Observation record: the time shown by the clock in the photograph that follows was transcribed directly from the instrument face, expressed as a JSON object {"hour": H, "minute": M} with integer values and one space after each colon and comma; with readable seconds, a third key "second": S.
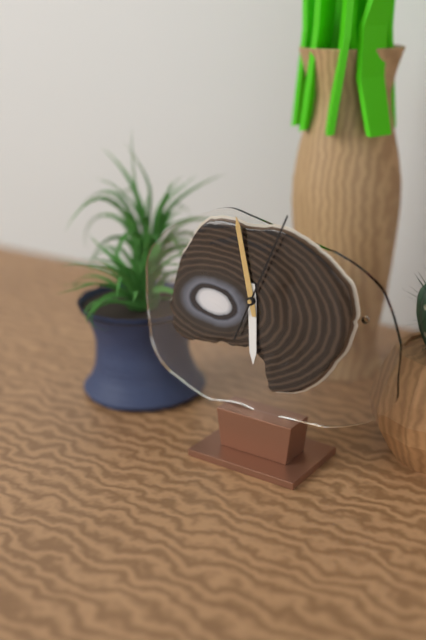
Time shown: {"hour": 5, "minute": 58, "second": 4}
